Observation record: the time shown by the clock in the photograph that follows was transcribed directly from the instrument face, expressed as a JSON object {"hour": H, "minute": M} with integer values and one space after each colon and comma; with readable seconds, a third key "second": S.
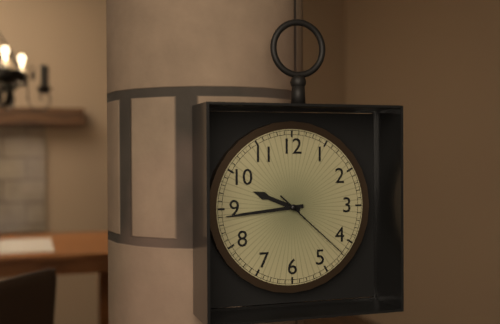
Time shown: {"hour": 9, "minute": 44, "second": 22}
